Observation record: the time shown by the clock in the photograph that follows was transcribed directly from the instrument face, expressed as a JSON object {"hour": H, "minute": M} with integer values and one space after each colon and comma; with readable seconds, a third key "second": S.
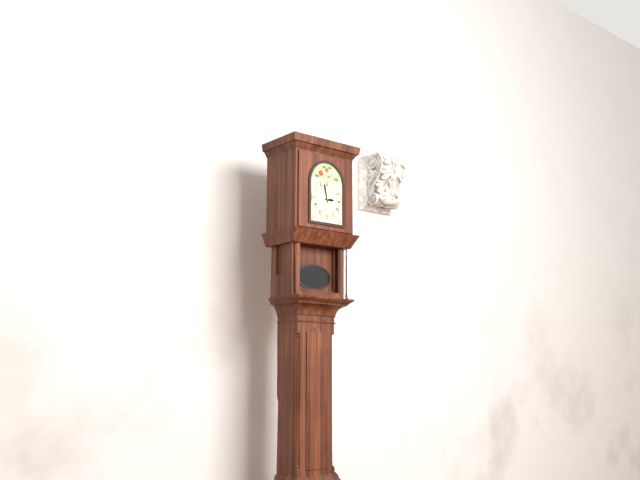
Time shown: {"hour": 2, "minute": 58}
